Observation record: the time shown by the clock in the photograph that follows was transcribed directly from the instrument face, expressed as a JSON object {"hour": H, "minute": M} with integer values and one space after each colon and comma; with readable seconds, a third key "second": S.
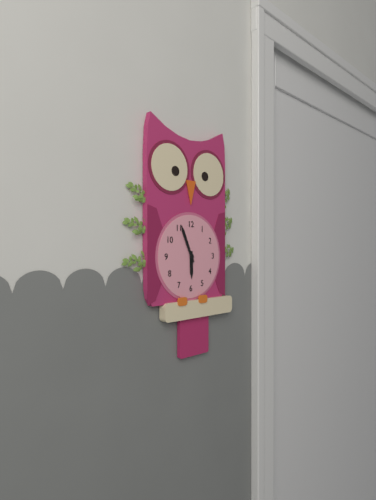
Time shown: {"hour": 5, "minute": 56}
